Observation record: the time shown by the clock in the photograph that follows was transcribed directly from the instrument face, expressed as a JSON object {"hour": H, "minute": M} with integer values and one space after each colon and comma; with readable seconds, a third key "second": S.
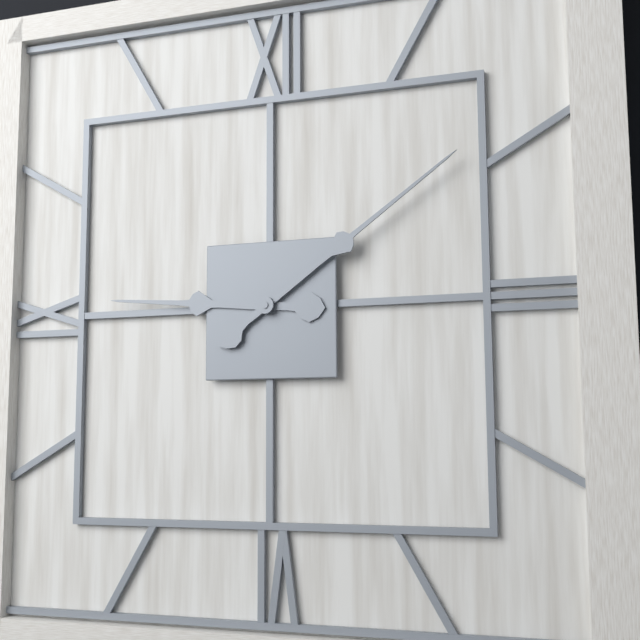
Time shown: {"hour": 9, "minute": 9}
